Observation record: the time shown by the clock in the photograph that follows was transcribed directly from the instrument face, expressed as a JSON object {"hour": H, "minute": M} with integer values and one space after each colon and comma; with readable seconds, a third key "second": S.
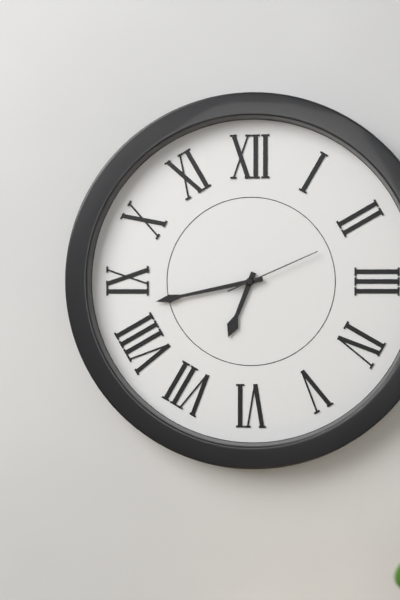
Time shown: {"hour": 6, "minute": 43, "second": 11}
